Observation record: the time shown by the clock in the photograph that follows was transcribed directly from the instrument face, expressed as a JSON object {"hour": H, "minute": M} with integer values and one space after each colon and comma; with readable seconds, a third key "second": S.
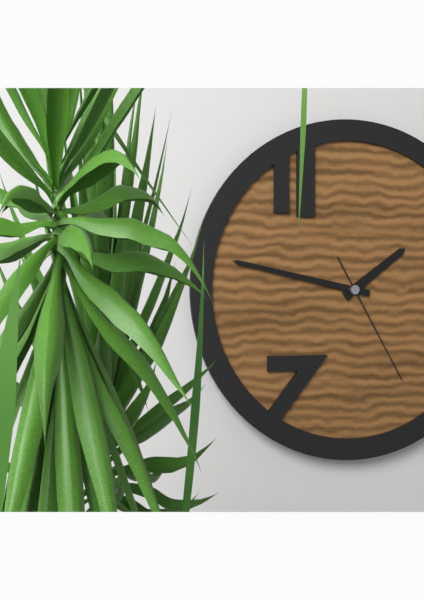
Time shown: {"hour": 1, "minute": 47, "second": 25}
